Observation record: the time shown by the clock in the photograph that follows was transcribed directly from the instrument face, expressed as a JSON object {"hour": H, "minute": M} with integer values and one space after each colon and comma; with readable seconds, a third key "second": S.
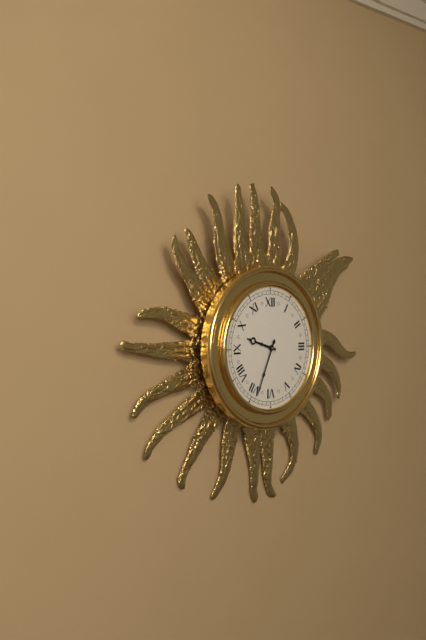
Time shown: {"hour": 9, "minute": 34}
